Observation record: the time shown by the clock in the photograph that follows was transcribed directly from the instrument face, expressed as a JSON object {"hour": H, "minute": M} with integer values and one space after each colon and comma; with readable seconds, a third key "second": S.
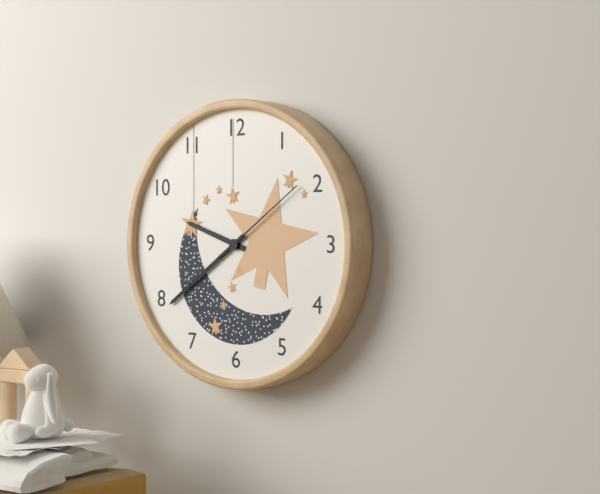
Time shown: {"hour": 9, "minute": 39, "second": 9}
